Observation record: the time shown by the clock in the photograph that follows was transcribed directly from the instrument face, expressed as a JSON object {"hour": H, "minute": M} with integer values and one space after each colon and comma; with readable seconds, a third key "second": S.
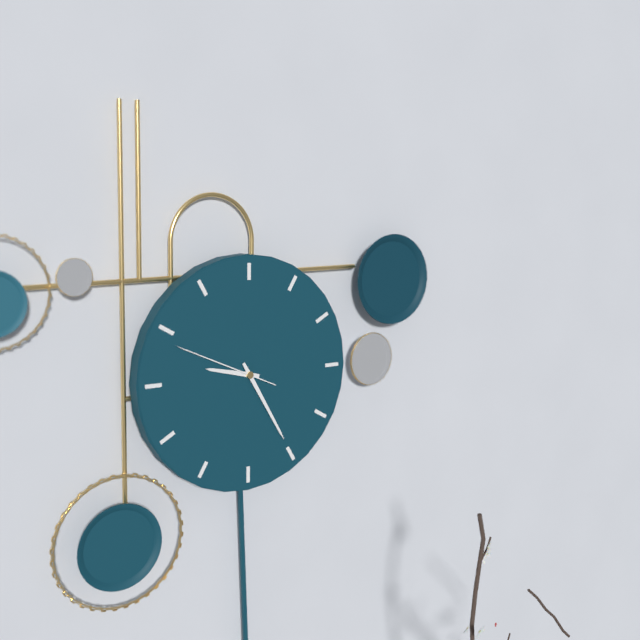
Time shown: {"hour": 9, "minute": 25, "second": 49}
